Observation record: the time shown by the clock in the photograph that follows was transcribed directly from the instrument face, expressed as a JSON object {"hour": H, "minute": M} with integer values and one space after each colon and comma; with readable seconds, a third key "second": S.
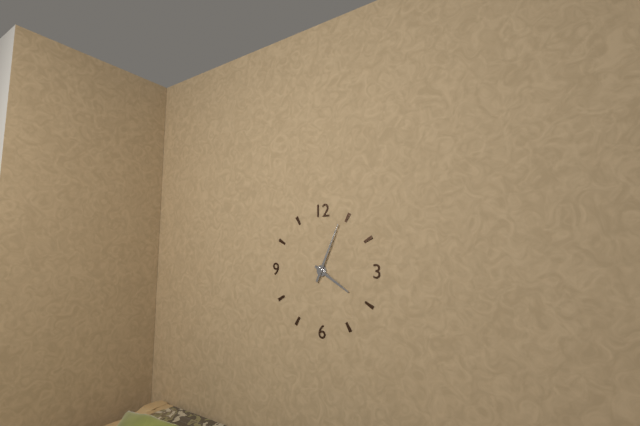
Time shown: {"hour": 4, "minute": 4}
